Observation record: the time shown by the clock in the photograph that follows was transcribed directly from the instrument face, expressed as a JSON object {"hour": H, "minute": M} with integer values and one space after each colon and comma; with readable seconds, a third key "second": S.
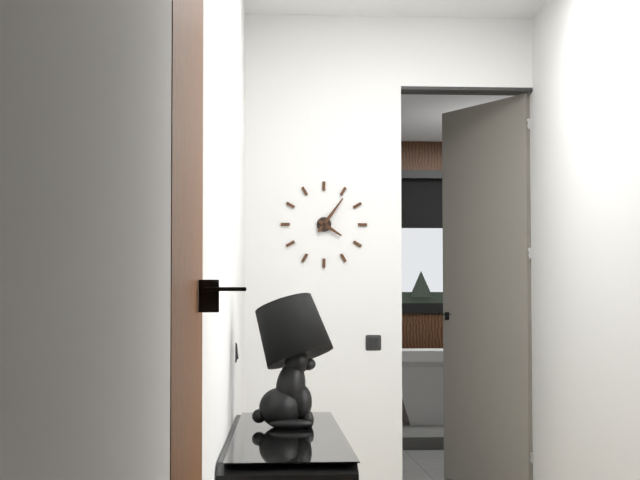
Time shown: {"hour": 4, "minute": 6}
